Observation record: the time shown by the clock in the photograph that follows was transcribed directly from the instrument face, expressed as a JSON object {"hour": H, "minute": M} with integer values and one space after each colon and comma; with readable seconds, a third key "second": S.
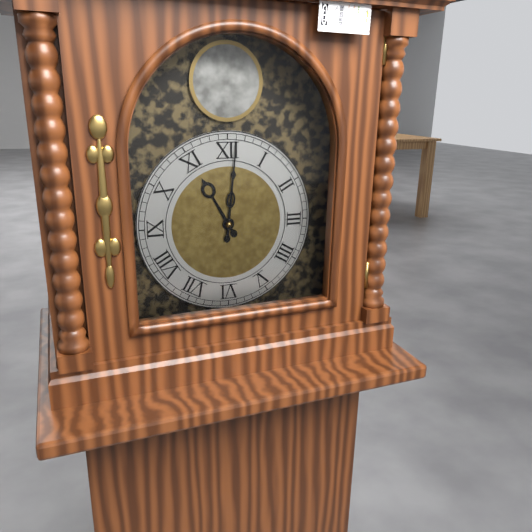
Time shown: {"hour": 11, "minute": 1}
